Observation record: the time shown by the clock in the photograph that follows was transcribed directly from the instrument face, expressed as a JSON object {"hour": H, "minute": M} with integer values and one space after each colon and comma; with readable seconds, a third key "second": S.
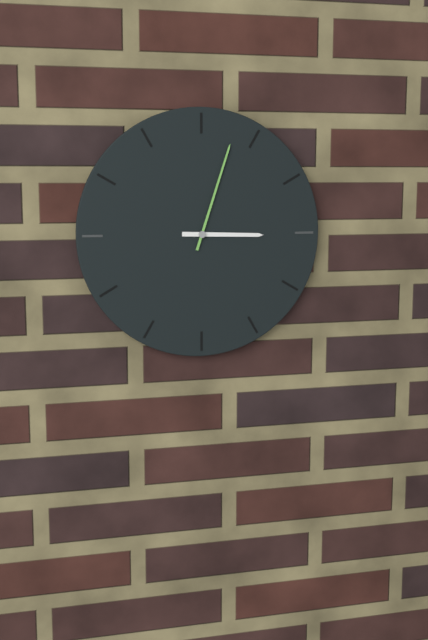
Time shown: {"hour": 3, "minute": 3}
